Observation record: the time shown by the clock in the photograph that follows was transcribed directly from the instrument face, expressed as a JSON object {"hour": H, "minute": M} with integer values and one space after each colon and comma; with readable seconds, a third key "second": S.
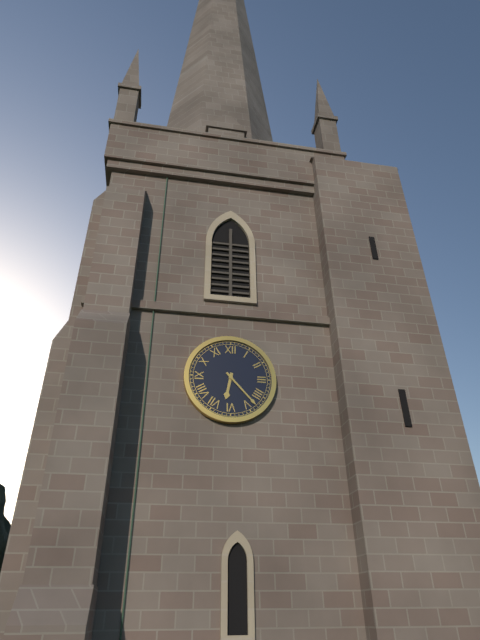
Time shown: {"hour": 6, "minute": 23}
